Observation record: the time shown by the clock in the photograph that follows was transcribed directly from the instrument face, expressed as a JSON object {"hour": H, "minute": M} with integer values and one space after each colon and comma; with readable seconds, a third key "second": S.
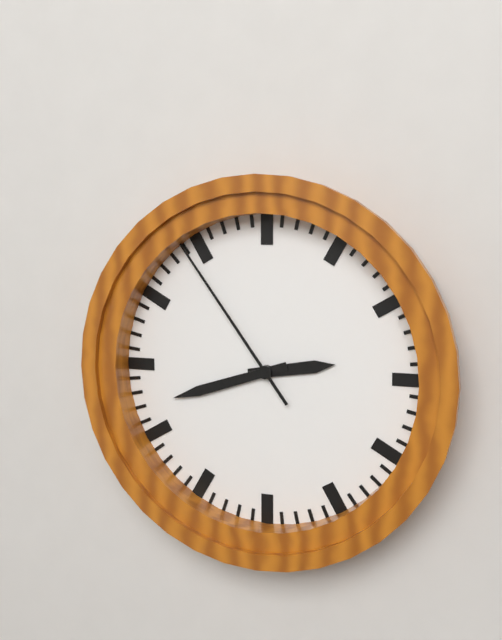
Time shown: {"hour": 2, "minute": 42, "second": 54}
